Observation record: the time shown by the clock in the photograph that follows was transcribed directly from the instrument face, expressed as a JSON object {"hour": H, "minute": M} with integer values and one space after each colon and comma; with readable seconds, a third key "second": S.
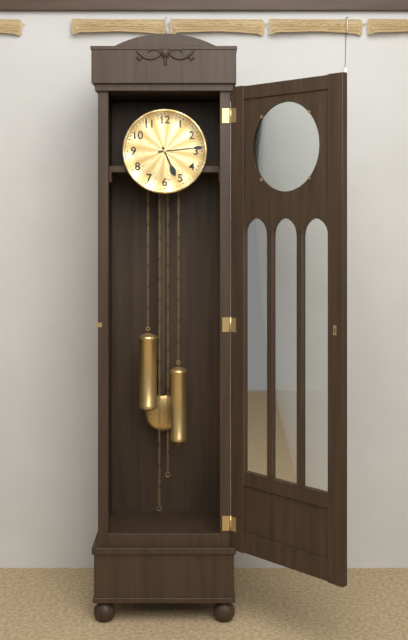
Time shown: {"hour": 5, "minute": 14}
